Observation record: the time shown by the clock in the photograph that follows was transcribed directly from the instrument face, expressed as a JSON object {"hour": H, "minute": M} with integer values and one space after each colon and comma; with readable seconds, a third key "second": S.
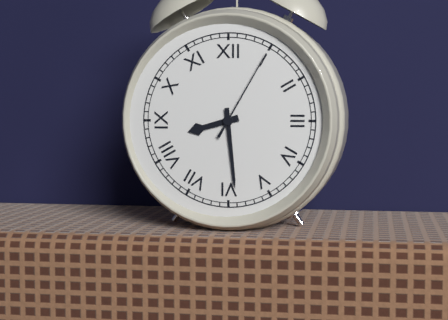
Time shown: {"hour": 8, "minute": 29, "second": 5}
